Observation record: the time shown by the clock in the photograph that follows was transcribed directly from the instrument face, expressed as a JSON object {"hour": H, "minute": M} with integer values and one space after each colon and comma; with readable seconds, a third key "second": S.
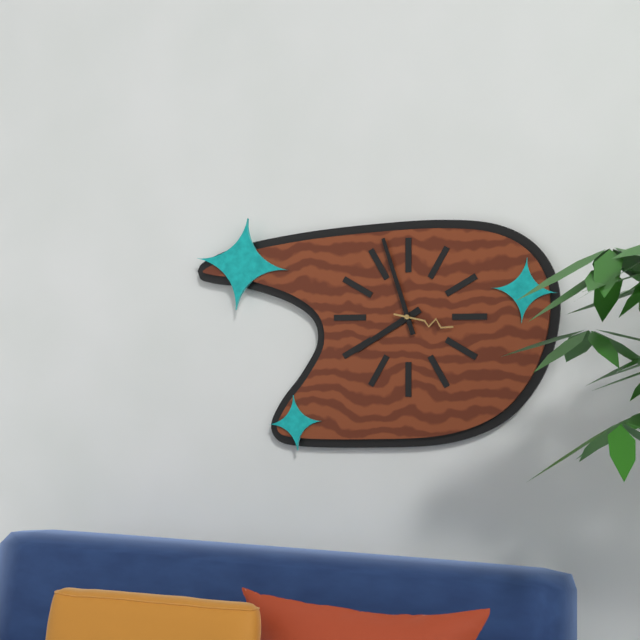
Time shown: {"hour": 7, "minute": 57, "second": 17}
